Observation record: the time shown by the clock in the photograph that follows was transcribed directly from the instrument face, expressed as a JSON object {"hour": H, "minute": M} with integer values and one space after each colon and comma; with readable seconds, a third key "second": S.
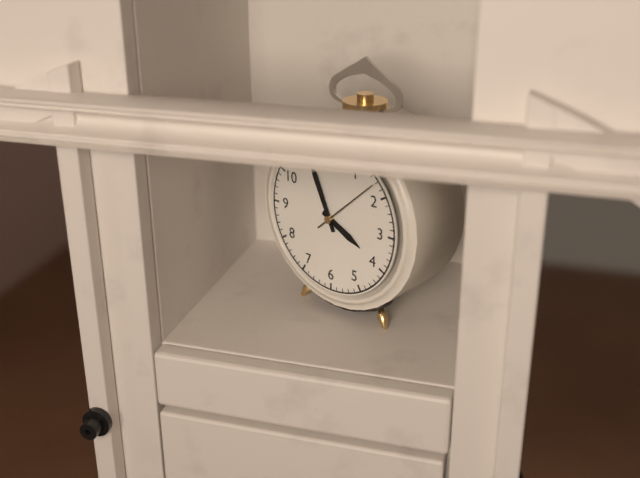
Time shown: {"hour": 3, "minute": 56, "second": 8}
